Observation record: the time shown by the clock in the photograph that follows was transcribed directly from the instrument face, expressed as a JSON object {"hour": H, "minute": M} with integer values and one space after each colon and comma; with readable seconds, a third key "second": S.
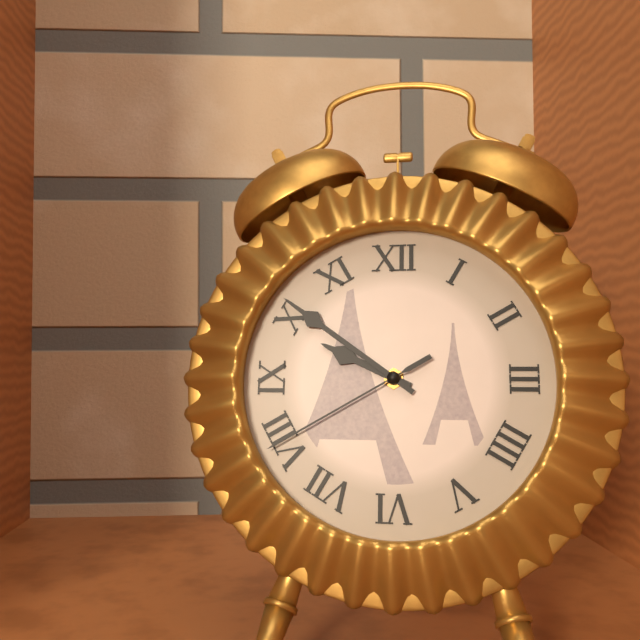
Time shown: {"hour": 9, "minute": 51, "second": 40}
